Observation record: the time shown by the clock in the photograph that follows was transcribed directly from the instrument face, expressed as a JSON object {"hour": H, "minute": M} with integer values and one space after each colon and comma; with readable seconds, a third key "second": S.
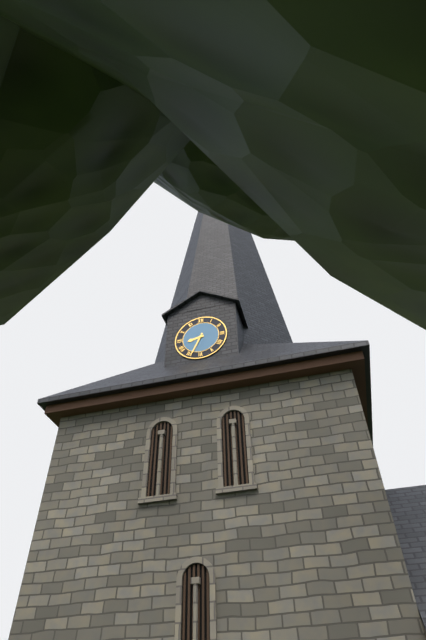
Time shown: {"hour": 8, "minute": 34}
